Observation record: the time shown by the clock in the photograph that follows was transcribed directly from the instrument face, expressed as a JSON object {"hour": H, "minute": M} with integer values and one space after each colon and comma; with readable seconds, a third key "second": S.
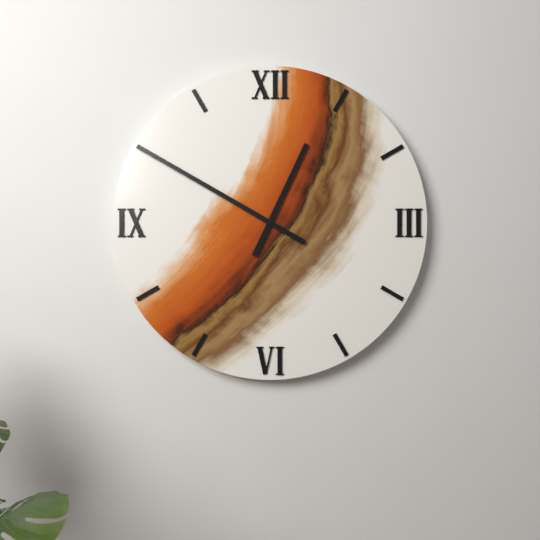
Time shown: {"hour": 12, "minute": 50}
